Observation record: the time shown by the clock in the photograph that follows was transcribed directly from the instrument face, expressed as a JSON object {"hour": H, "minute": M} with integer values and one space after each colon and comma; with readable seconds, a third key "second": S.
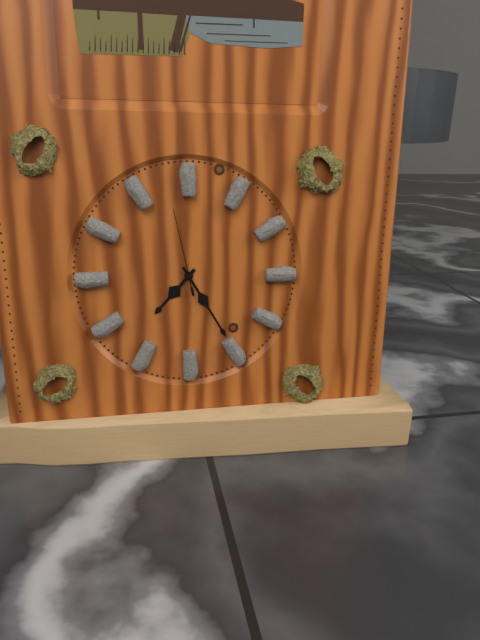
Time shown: {"hour": 7, "minute": 25, "second": 58}
